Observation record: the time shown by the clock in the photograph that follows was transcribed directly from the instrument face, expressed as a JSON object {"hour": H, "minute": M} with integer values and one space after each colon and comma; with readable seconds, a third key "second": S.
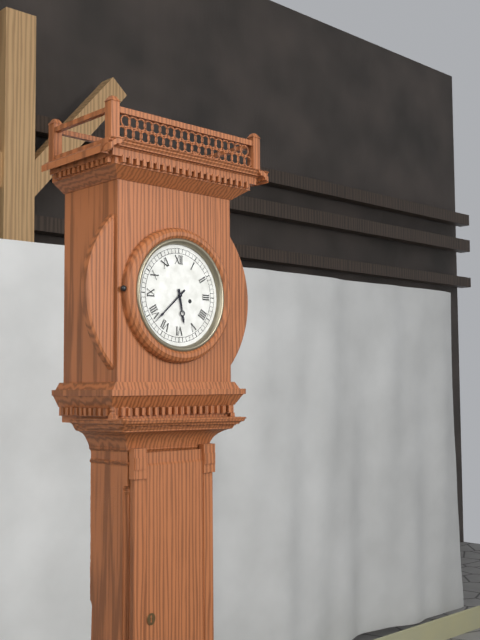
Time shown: {"hour": 5, "minute": 38}
